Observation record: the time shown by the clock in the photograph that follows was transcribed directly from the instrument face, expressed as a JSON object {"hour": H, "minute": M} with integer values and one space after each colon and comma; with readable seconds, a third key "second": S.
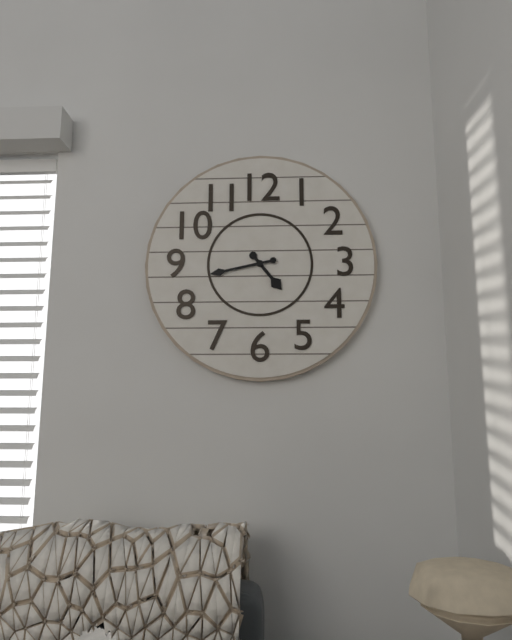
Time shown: {"hour": 4, "minute": 43}
